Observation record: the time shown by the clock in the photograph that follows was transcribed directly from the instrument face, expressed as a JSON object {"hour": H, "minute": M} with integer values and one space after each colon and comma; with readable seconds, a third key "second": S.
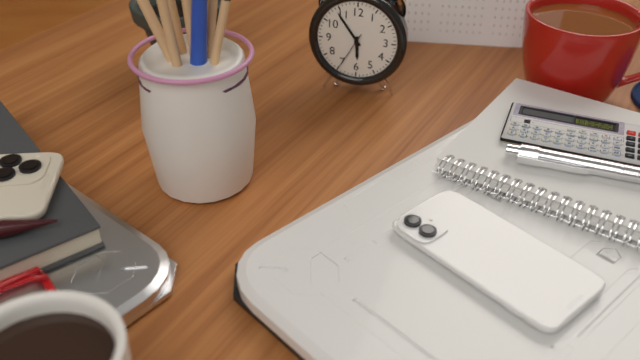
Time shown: {"hour": 5, "minute": 54}
